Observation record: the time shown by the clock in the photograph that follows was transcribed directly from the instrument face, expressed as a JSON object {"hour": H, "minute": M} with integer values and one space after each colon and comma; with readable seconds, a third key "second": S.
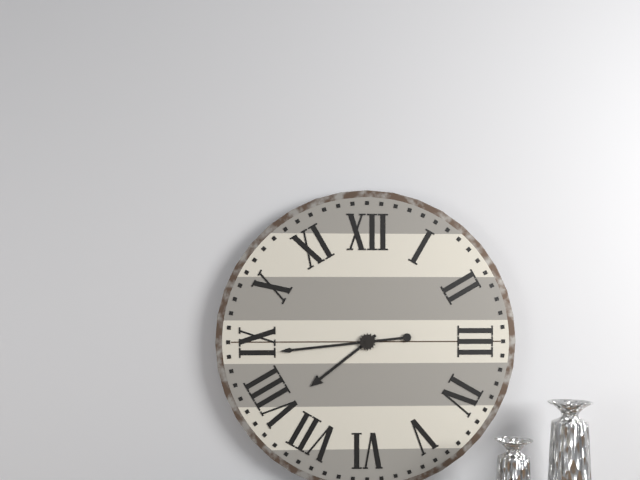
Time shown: {"hour": 7, "minute": 44}
